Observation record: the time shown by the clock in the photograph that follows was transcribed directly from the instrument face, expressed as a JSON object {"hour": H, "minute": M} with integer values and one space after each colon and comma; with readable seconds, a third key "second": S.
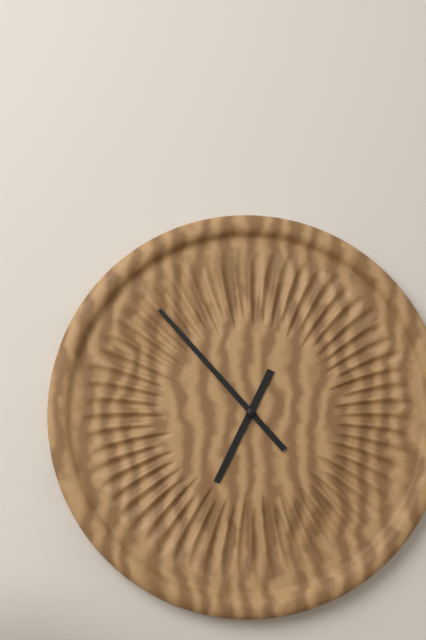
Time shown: {"hour": 6, "minute": 53}
